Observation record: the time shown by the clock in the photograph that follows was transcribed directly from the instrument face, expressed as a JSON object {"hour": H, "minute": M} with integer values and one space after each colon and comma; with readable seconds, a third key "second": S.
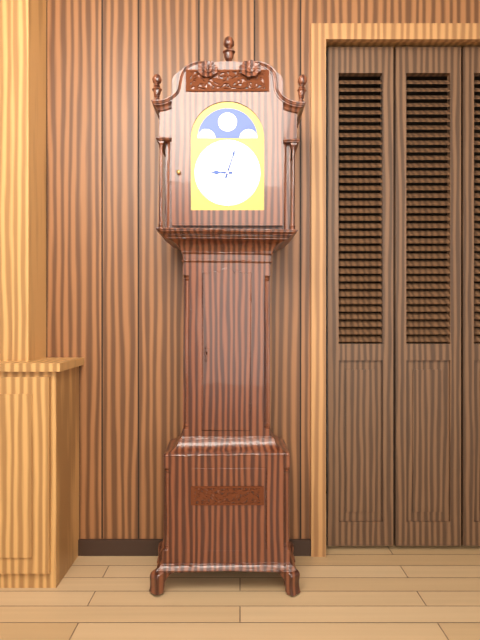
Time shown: {"hour": 9, "minute": 3}
